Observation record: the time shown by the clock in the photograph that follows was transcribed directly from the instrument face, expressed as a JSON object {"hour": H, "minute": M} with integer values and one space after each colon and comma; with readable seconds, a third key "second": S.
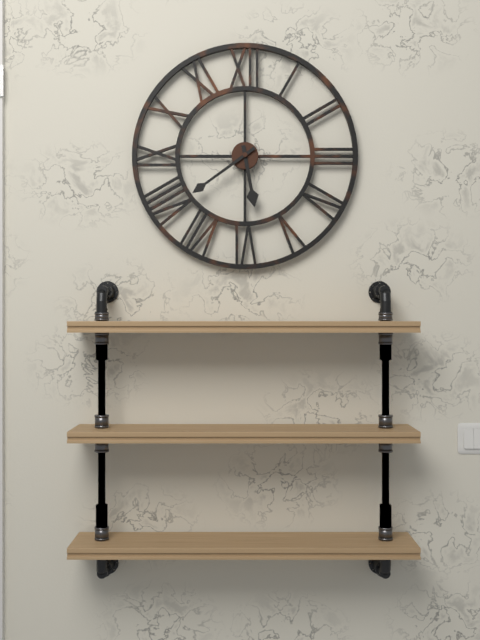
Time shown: {"hour": 5, "minute": 39}
